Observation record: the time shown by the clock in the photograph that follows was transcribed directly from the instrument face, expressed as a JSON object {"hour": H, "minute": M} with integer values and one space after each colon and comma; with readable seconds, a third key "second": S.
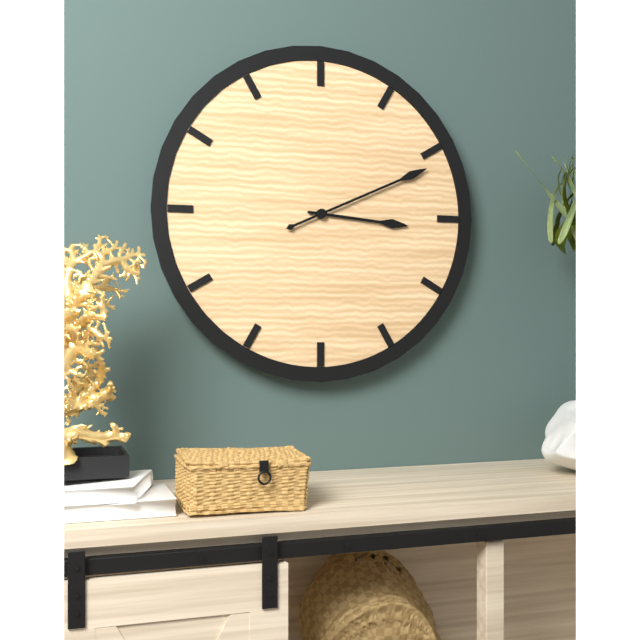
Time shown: {"hour": 3, "minute": 11}
